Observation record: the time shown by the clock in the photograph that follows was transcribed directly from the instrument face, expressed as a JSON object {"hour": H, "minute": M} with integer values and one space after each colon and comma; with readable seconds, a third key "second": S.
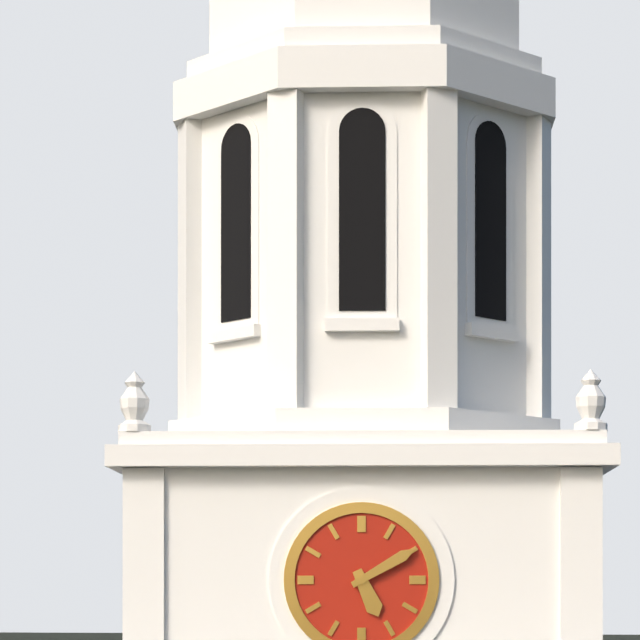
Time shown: {"hour": 5, "minute": 10}
